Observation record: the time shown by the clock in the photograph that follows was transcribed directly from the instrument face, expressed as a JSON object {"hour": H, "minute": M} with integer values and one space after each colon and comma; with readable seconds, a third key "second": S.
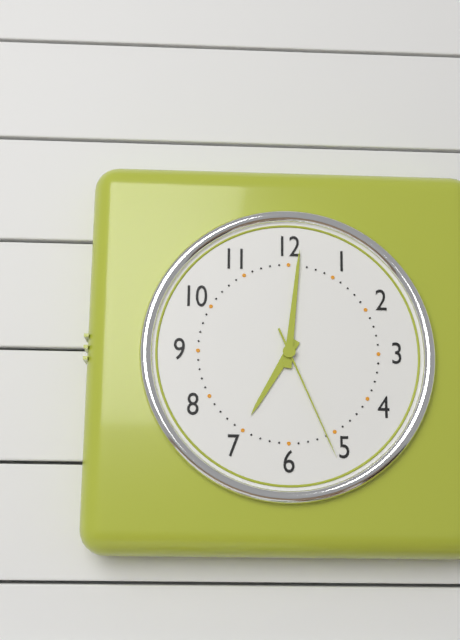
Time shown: {"hour": 7, "minute": 1, "second": 26}
